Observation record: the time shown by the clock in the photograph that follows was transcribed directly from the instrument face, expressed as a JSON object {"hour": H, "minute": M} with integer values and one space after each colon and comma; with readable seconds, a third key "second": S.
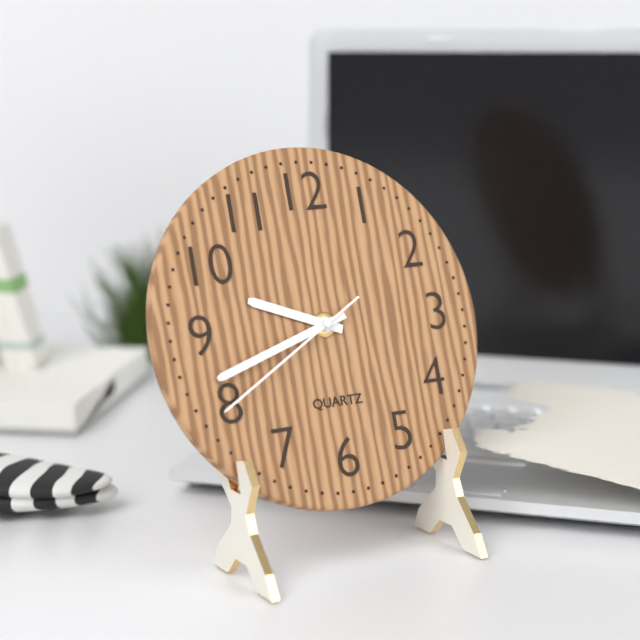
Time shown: {"hour": 9, "minute": 42, "second": 40}
